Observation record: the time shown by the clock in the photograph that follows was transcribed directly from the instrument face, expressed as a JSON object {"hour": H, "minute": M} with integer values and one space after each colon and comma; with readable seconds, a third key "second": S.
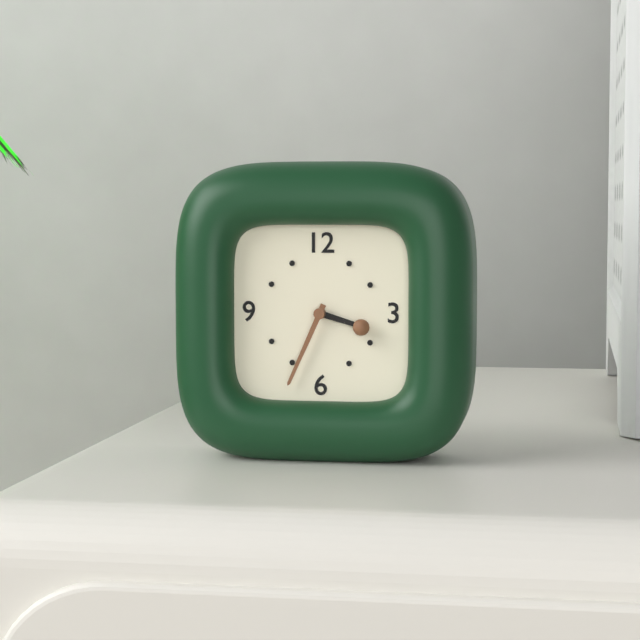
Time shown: {"hour": 3, "minute": 34}
